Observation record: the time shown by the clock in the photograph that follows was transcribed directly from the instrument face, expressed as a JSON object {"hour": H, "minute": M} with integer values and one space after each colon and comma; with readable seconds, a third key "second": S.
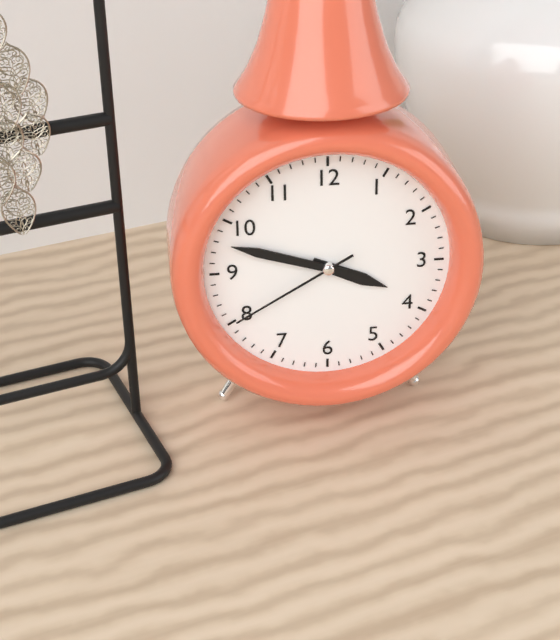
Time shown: {"hour": 3, "minute": 48, "second": 40}
